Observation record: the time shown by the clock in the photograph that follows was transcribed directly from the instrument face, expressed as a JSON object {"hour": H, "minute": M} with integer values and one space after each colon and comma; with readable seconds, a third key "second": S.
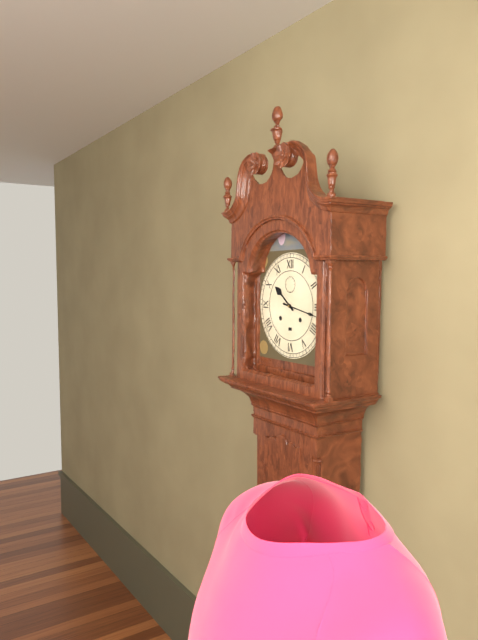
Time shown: {"hour": 10, "minute": 17}
